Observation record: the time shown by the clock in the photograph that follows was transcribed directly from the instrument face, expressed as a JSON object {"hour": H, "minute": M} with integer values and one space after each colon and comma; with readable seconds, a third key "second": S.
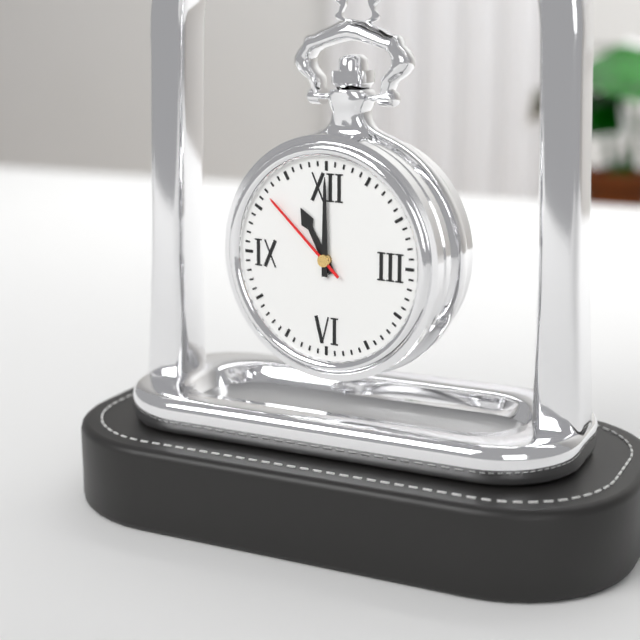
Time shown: {"hour": 11, "minute": 0, "second": 52}
